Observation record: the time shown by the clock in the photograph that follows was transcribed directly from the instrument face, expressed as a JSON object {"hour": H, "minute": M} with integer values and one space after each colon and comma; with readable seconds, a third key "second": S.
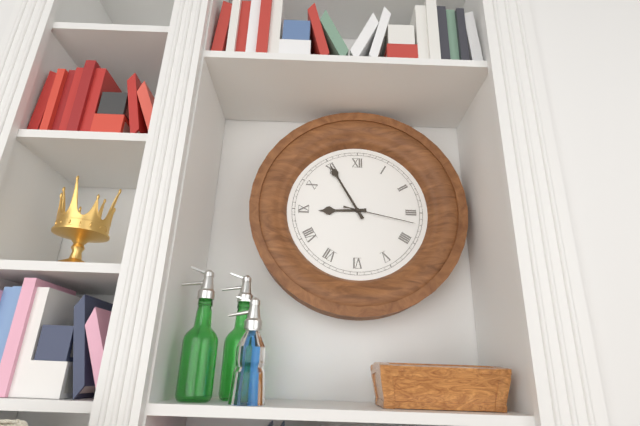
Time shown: {"hour": 8, "minute": 55, "second": 17}
